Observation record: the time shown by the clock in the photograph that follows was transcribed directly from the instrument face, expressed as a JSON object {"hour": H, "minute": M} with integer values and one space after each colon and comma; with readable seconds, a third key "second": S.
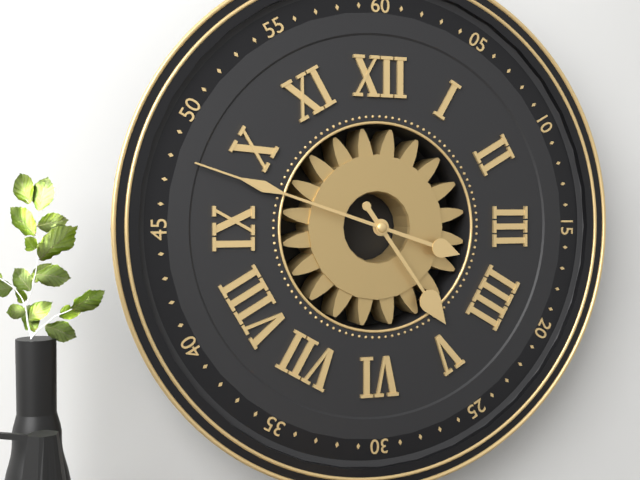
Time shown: {"hour": 4, "minute": 48}
